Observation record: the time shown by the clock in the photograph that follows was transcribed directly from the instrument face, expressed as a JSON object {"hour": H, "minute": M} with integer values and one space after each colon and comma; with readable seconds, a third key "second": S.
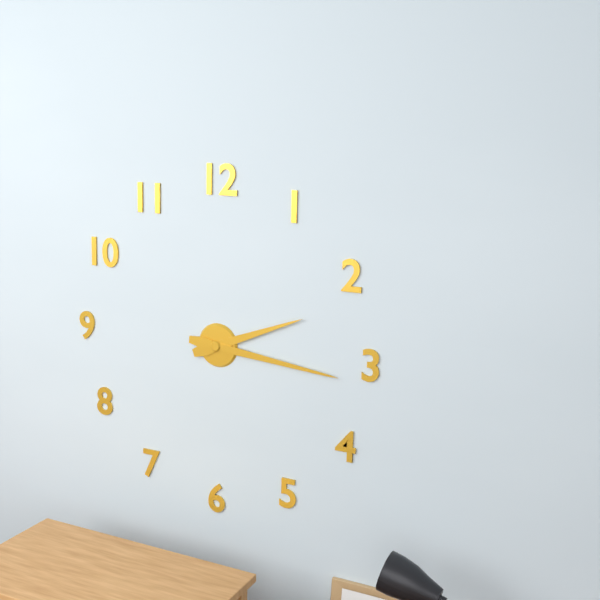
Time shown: {"hour": 2, "minute": 16}
